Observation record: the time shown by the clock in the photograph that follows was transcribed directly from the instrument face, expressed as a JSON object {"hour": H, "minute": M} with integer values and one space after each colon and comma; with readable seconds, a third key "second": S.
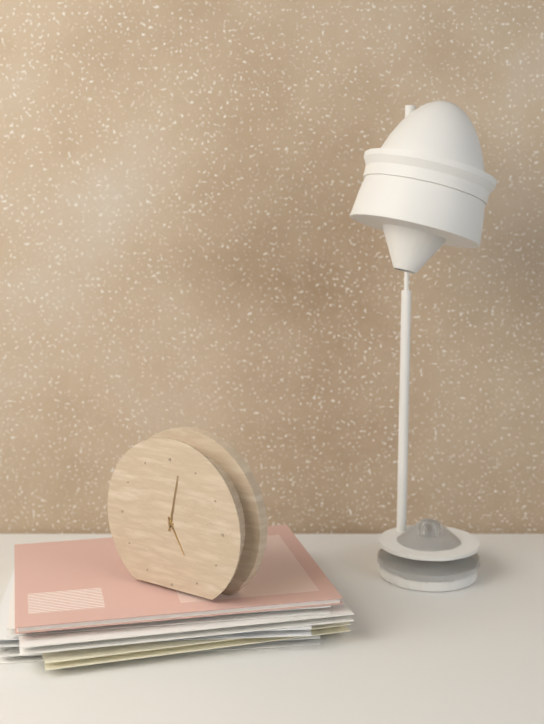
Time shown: {"hour": 5, "minute": 2}
